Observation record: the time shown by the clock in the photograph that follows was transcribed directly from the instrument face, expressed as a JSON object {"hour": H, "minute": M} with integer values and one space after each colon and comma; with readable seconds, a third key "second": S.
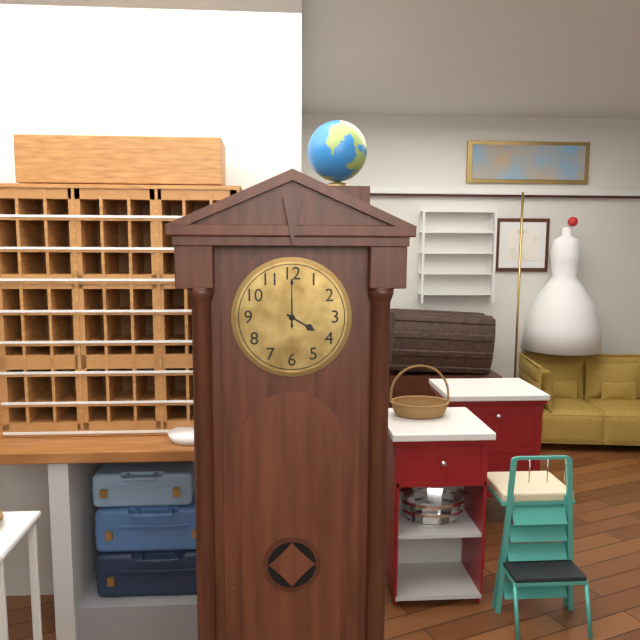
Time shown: {"hour": 4, "minute": 0}
